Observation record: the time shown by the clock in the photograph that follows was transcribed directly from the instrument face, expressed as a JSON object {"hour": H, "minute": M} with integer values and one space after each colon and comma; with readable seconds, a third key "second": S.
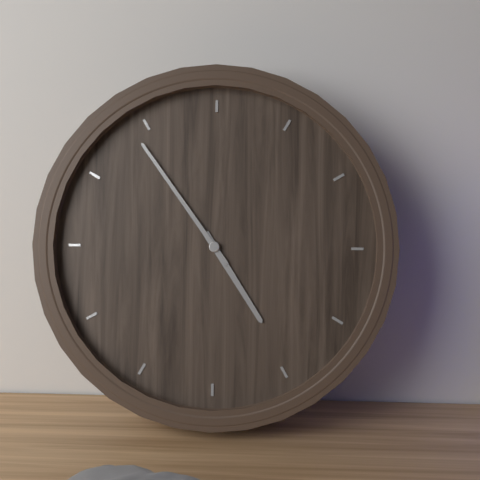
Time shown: {"hour": 4, "minute": 54}
